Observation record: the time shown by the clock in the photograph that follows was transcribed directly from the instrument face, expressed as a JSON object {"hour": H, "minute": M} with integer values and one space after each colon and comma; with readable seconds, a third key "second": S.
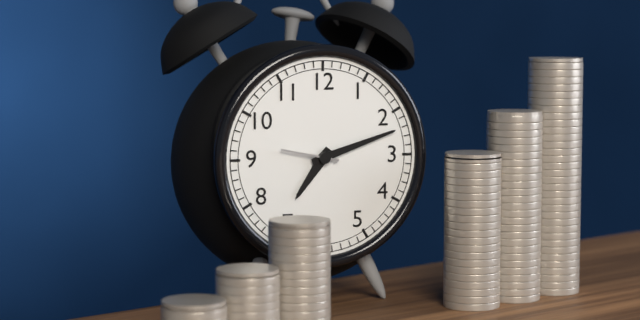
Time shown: {"hour": 7, "minute": 12, "second": 47}
